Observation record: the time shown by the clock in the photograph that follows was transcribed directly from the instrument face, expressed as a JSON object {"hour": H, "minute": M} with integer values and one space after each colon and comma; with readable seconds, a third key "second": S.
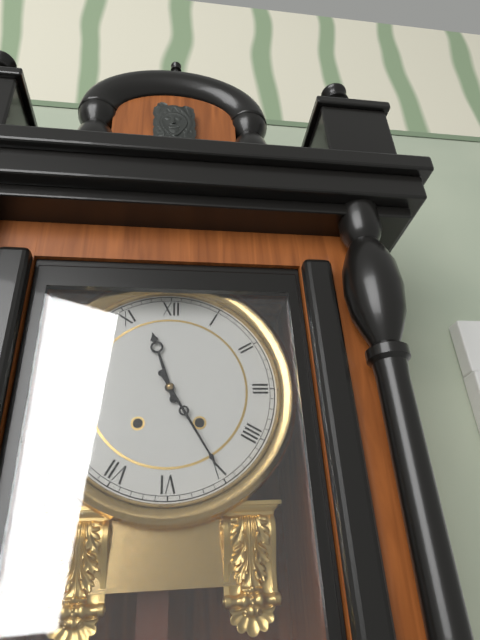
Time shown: {"hour": 11, "minute": 25}
